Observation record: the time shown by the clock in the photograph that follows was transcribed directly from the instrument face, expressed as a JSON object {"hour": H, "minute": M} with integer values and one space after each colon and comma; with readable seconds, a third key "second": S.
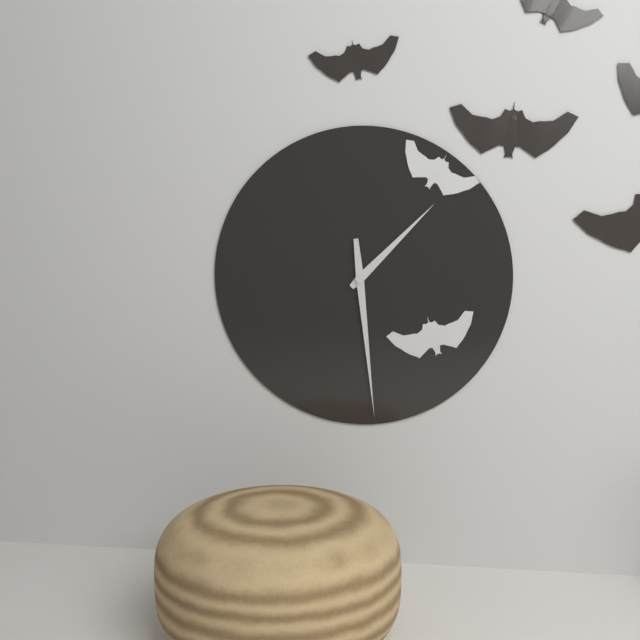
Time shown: {"hour": 1, "minute": 29}
